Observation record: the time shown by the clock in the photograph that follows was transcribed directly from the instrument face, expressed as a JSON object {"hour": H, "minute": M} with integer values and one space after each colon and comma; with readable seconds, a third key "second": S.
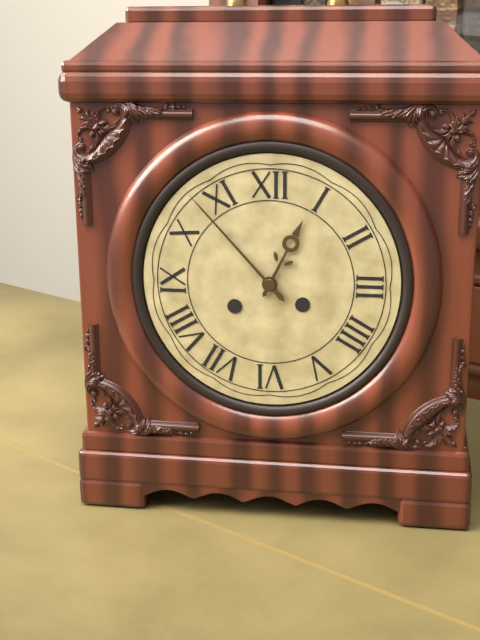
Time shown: {"hour": 12, "minute": 53}
